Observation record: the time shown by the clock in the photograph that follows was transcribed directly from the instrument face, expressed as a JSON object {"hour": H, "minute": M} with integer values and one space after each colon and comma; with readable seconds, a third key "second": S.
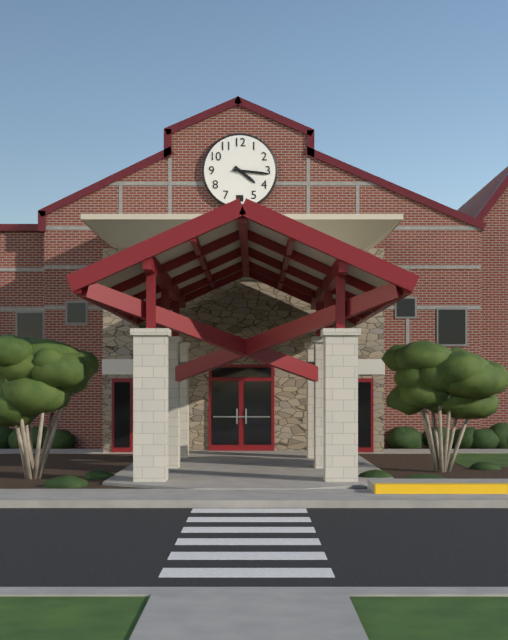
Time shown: {"hour": 4, "minute": 16}
